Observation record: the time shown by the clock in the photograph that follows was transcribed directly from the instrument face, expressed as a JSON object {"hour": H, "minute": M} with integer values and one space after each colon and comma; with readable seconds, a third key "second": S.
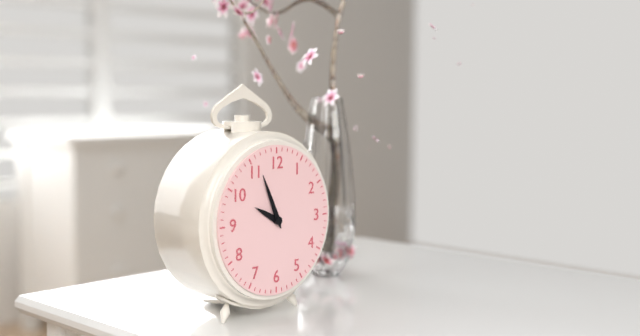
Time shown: {"hour": 9, "minute": 56}
